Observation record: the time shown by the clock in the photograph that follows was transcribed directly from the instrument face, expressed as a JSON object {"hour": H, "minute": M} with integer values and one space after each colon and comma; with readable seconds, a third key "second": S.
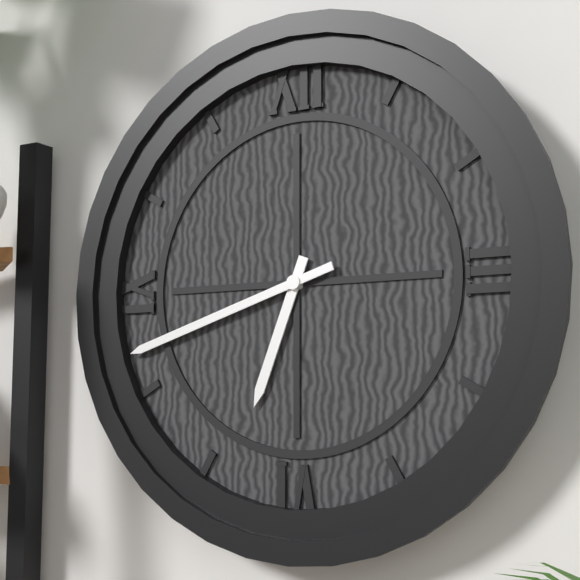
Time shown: {"hour": 6, "minute": 42}
